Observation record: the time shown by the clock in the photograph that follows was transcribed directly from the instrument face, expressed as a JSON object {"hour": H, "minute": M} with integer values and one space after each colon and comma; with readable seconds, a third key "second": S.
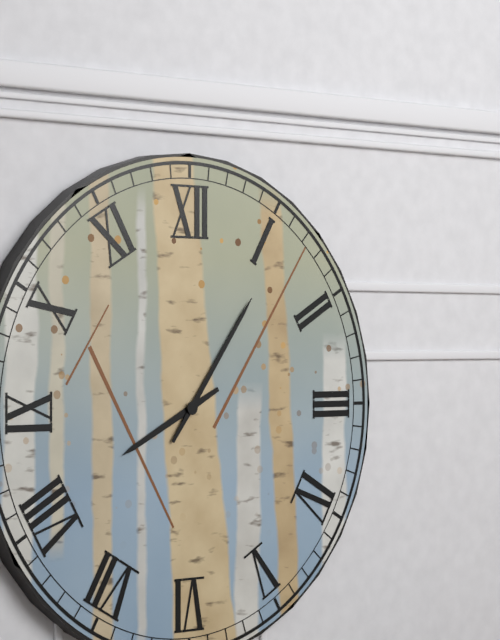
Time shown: {"hour": 8, "minute": 6}
